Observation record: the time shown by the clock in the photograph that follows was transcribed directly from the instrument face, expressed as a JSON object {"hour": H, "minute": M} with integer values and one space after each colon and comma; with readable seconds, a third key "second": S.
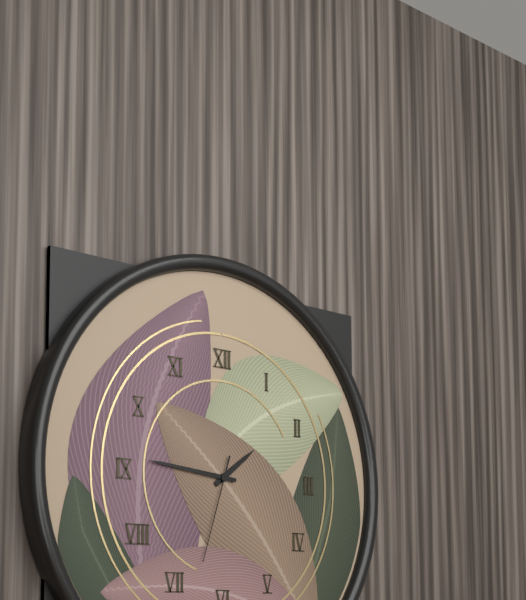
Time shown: {"hour": 1, "minute": 46, "second": 33}
